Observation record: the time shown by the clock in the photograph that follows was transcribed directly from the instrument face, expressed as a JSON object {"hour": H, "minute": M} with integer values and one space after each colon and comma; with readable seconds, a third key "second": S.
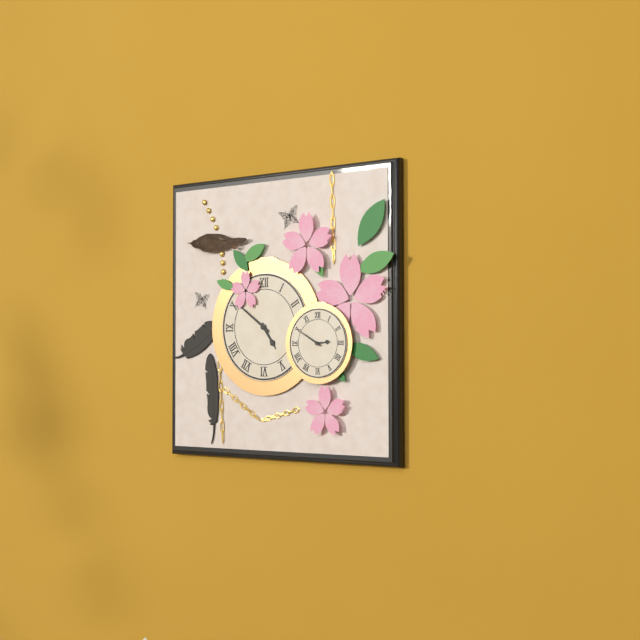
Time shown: {"hour": 4, "minute": 51}
